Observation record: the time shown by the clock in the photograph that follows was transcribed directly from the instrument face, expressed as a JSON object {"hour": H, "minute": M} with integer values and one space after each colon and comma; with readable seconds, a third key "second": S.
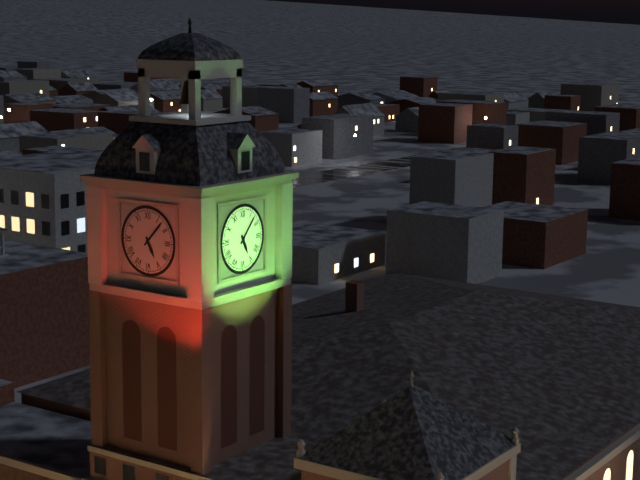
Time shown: {"hour": 5, "minute": 7}
